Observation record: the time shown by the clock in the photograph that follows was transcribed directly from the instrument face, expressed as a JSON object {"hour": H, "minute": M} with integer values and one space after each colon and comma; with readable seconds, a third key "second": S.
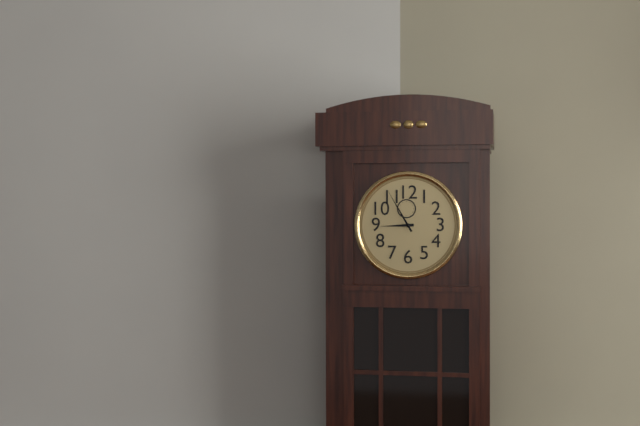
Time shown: {"hour": 8, "minute": 55}
